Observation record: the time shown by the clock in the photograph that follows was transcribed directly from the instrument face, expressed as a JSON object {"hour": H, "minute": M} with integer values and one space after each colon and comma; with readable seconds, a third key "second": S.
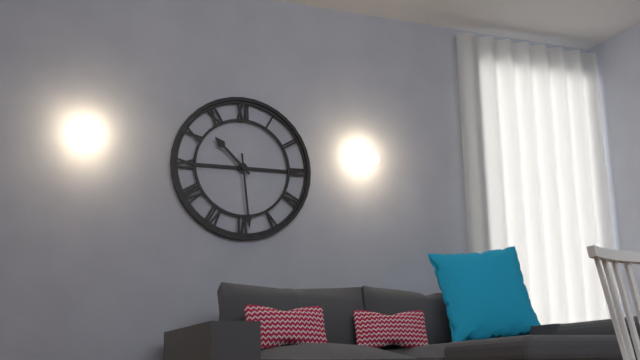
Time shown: {"hour": 10, "minute": 29}
